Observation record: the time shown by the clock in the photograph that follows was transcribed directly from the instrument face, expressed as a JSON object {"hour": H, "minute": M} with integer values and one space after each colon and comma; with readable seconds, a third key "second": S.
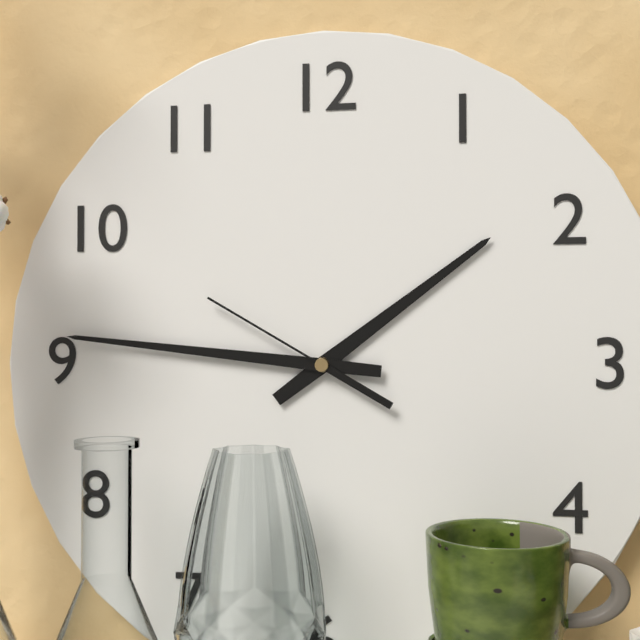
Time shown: {"hour": 1, "minute": 46, "second": 50}
